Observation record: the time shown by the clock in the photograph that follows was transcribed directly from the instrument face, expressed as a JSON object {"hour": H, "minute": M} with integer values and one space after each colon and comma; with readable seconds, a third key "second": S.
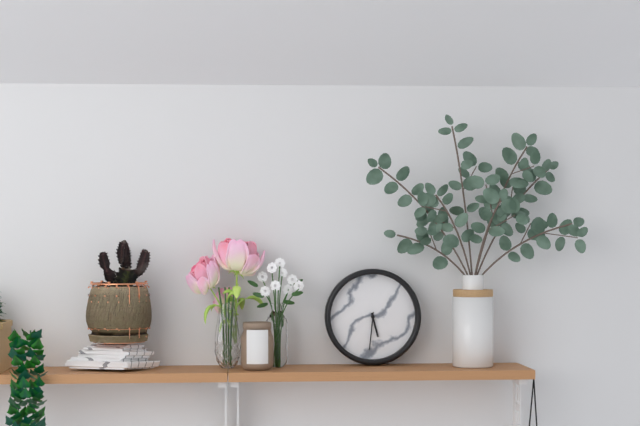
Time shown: {"hour": 5, "minute": 31}
